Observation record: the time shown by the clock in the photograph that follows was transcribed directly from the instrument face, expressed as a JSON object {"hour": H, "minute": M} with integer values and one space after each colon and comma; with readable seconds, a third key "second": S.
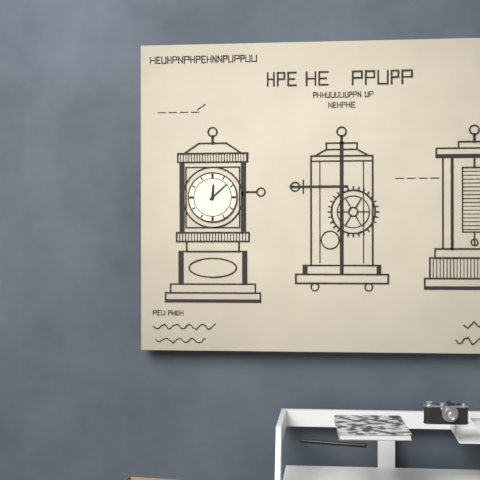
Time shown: {"hour": 12, "minute": 8}
